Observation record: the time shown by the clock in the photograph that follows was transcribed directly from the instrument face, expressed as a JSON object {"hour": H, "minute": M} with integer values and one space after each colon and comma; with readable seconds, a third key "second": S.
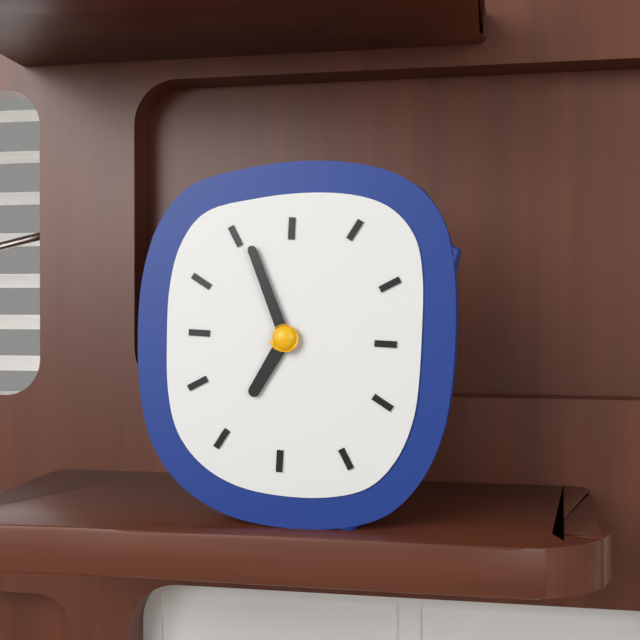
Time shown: {"hour": 6, "minute": 56}
